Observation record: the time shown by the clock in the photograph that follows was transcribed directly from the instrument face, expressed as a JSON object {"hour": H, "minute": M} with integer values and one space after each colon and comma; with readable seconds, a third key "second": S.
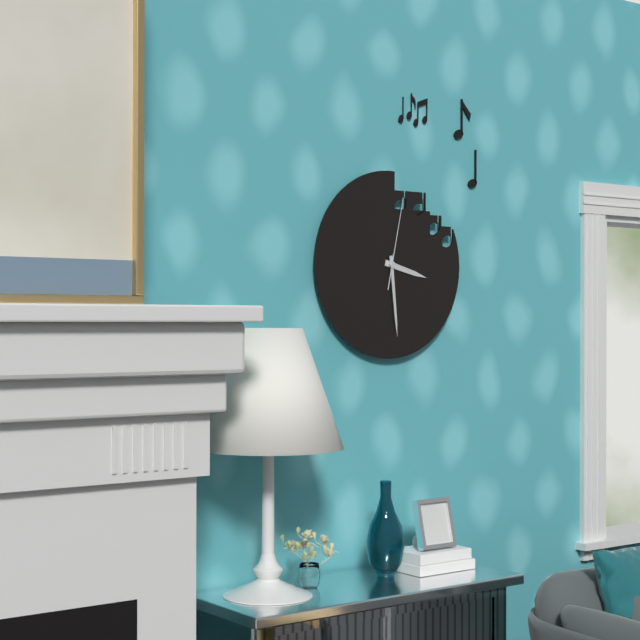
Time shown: {"hour": 3, "minute": 29, "second": 2}
